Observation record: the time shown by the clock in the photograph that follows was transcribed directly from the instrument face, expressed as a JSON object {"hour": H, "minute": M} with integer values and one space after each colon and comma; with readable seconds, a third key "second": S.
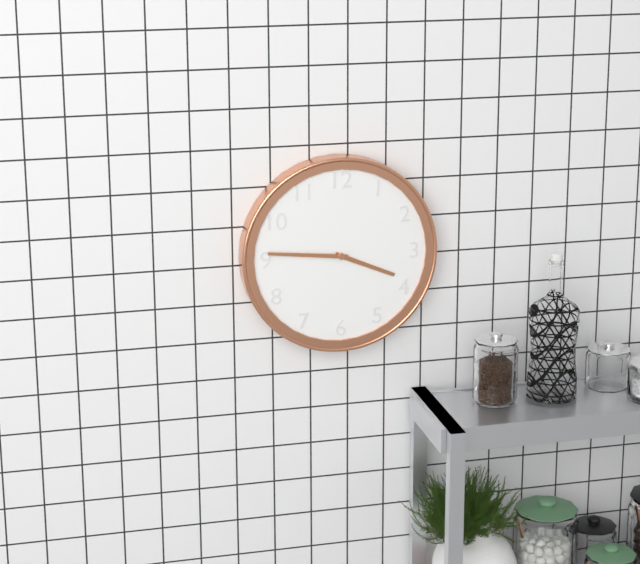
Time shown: {"hour": 3, "minute": 46}
